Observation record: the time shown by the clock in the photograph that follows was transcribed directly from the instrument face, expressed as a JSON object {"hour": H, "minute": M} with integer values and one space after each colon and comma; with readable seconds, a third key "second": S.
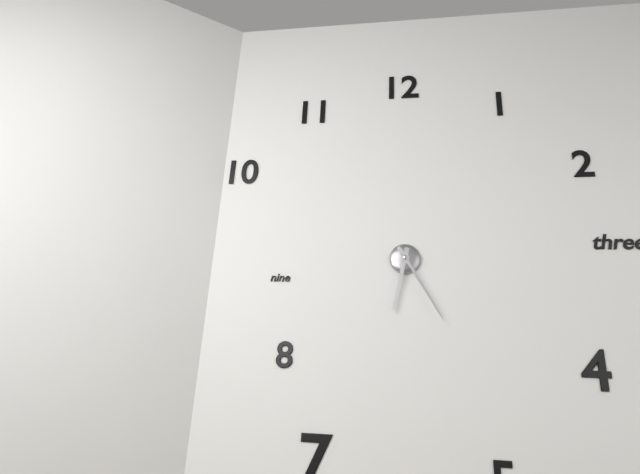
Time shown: {"hour": 6, "minute": 25}
